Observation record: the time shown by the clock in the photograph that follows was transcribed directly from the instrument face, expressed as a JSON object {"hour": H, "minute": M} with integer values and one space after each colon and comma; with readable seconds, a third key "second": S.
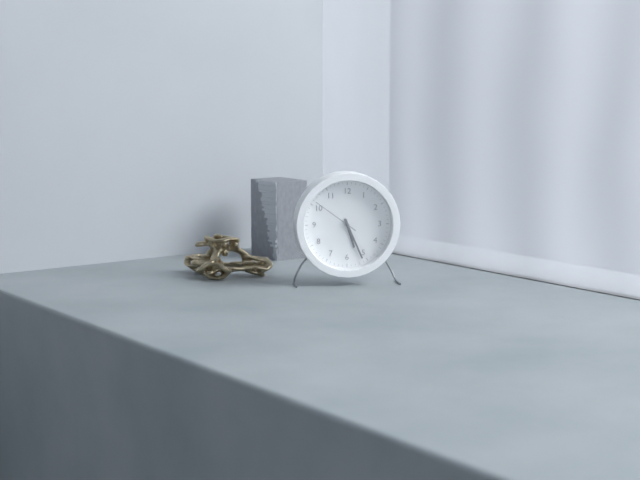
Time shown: {"hour": 5, "minute": 26}
